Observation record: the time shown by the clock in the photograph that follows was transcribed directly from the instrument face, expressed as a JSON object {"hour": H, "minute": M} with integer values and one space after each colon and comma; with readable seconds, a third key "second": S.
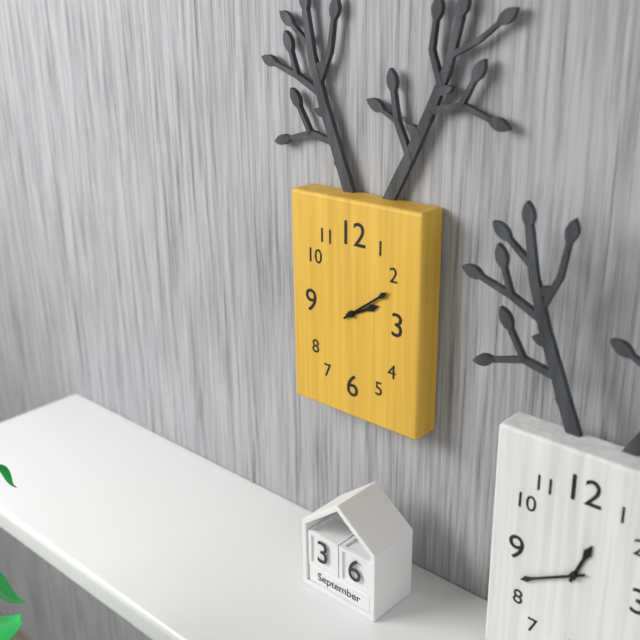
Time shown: {"hour": 2, "minute": 9}
